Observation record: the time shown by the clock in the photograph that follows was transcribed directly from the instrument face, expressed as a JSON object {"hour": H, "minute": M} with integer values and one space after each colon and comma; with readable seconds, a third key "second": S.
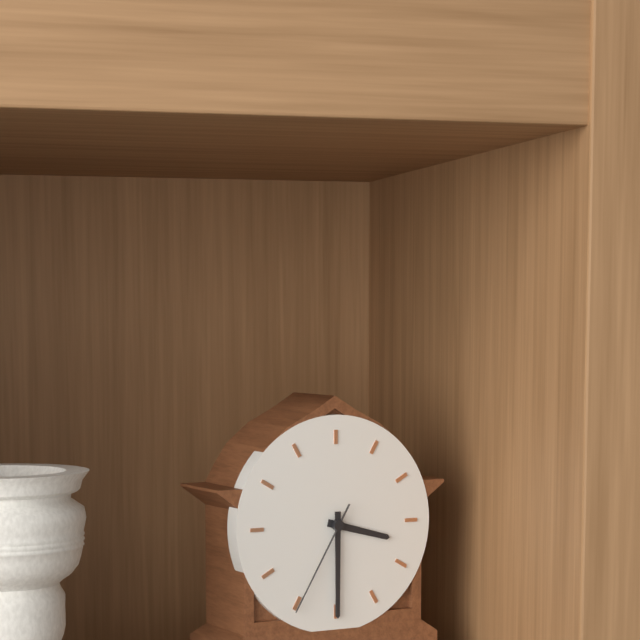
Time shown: {"hour": 3, "minute": 30, "second": 35}
